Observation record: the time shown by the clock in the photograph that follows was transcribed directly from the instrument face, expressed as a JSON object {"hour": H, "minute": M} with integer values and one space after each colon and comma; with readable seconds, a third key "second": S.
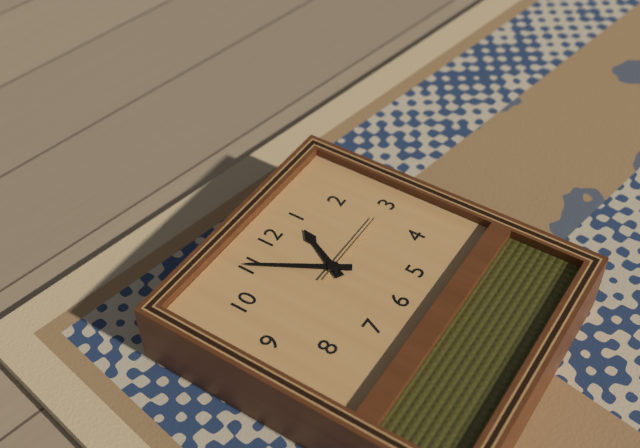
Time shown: {"hour": 12, "minute": 55, "second": 15}
